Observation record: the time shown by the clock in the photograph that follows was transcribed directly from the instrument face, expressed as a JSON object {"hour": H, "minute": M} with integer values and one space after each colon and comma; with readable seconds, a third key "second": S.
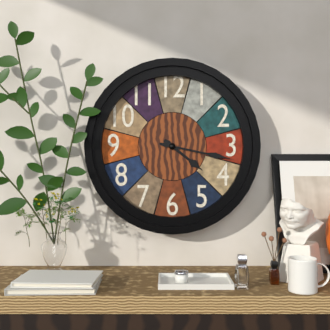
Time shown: {"hour": 4, "minute": 17}
